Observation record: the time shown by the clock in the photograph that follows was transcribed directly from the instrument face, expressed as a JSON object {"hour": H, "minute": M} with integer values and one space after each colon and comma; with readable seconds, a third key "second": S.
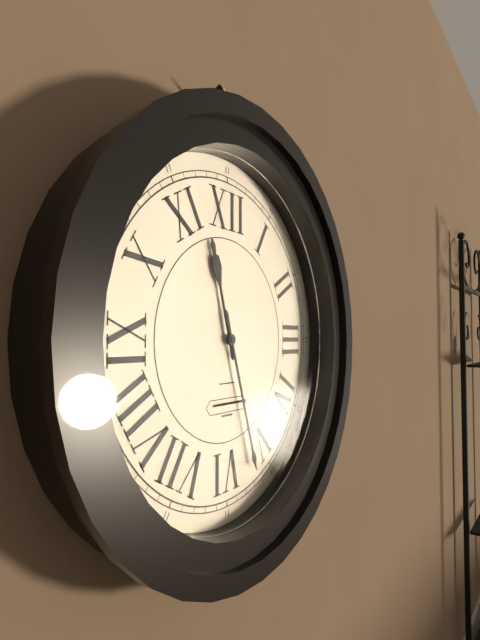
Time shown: {"hour": 11, "minute": 27}
